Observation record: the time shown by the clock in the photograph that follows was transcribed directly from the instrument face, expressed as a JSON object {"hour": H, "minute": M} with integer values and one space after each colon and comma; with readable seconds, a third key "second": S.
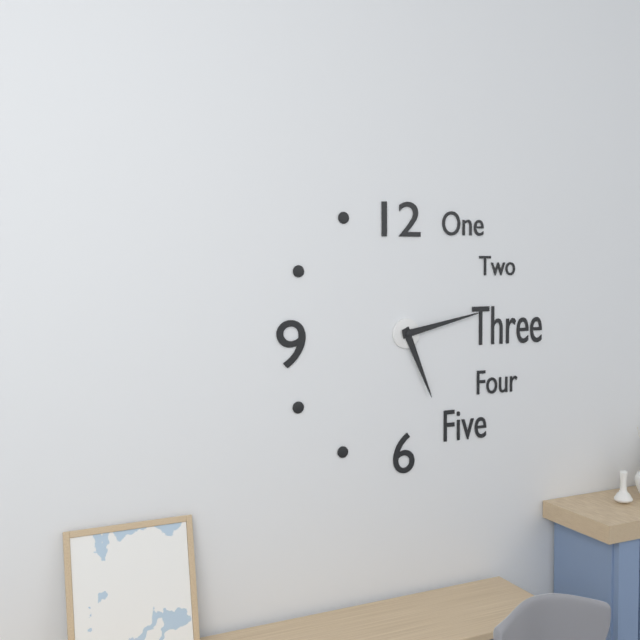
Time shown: {"hour": 5, "minute": 13}
